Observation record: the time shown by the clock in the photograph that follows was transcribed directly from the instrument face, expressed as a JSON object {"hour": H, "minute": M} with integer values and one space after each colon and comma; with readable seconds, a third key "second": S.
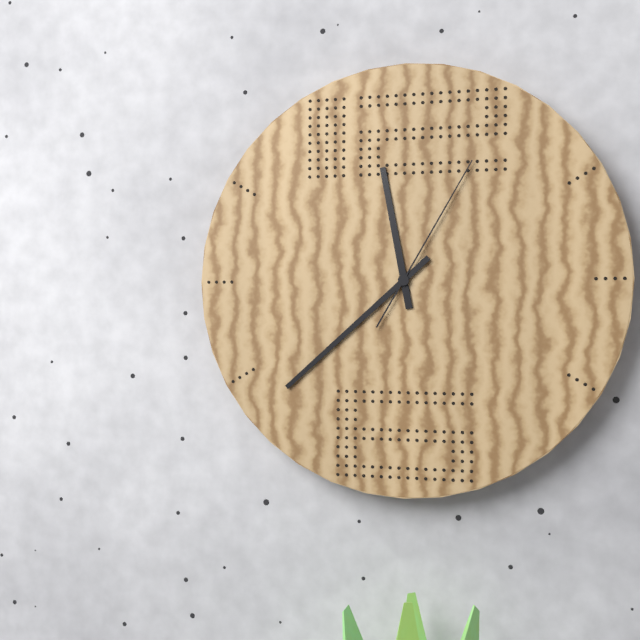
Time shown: {"hour": 11, "minute": 38, "second": 5}
